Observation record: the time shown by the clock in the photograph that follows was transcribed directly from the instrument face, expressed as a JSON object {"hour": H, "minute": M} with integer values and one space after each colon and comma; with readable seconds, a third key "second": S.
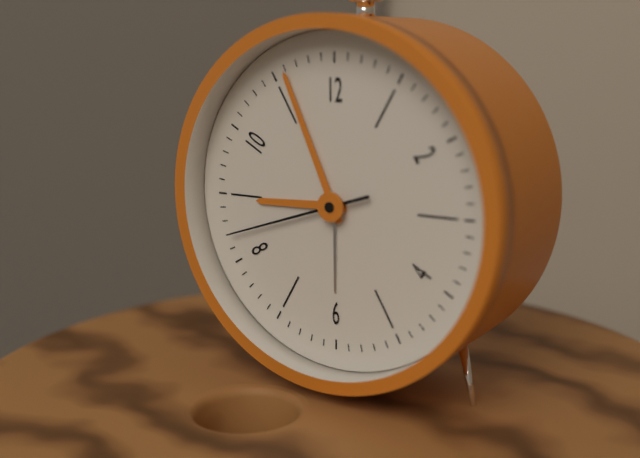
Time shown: {"hour": 8, "minute": 56, "second": 42}
